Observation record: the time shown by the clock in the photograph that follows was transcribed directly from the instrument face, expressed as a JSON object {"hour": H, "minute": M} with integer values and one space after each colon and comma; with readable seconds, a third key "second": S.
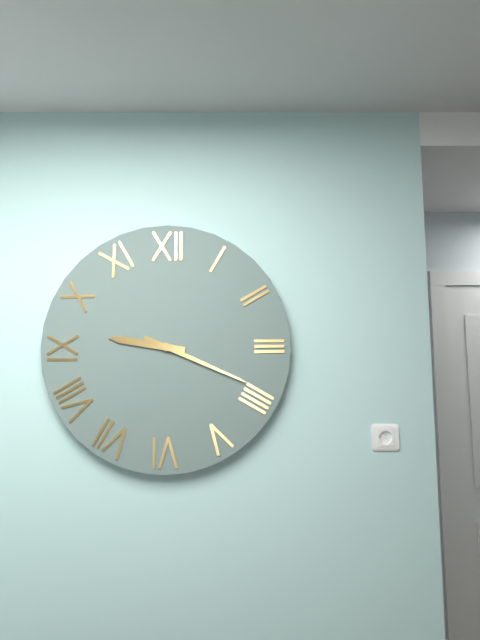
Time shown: {"hour": 9, "minute": 19}
